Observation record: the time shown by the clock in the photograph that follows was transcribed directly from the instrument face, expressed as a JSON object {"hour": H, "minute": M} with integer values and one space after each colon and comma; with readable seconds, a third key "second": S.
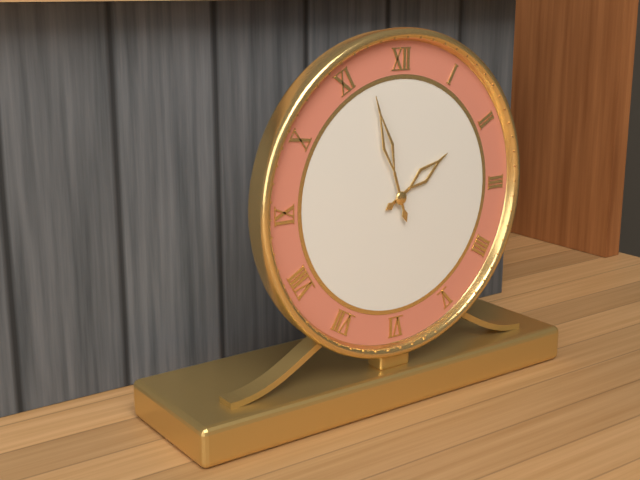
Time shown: {"hour": 1, "minute": 57}
